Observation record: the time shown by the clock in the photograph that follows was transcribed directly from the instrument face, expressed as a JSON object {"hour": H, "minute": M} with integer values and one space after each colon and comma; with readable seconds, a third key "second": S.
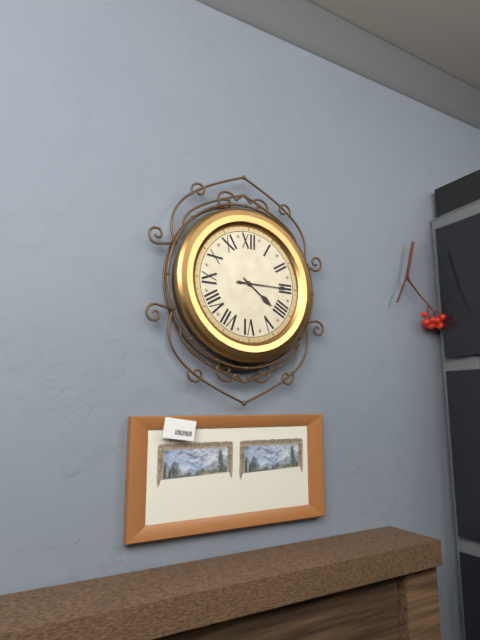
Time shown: {"hour": 4, "minute": 15}
